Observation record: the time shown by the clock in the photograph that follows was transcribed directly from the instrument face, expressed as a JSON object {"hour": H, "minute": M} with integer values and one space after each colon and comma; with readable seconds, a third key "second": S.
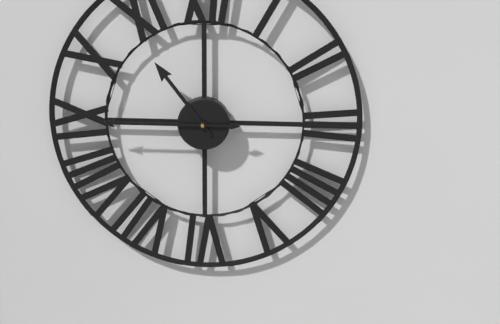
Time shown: {"hour": 10, "minute": 45}
